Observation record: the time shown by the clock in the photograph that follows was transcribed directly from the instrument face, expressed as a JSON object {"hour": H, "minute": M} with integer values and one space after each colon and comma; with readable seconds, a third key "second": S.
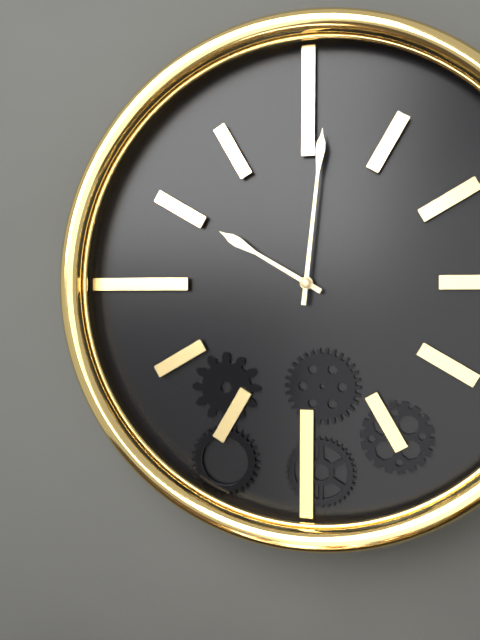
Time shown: {"hour": 10, "minute": 1}
